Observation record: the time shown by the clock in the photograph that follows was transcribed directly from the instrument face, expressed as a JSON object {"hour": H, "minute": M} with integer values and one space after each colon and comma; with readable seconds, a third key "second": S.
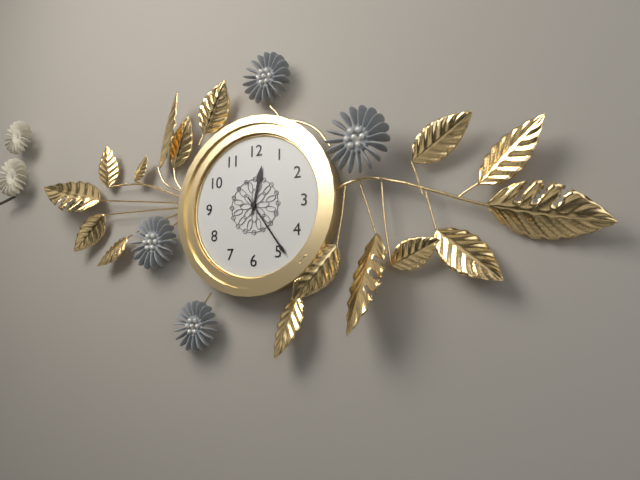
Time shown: {"hour": 12, "minute": 24}
